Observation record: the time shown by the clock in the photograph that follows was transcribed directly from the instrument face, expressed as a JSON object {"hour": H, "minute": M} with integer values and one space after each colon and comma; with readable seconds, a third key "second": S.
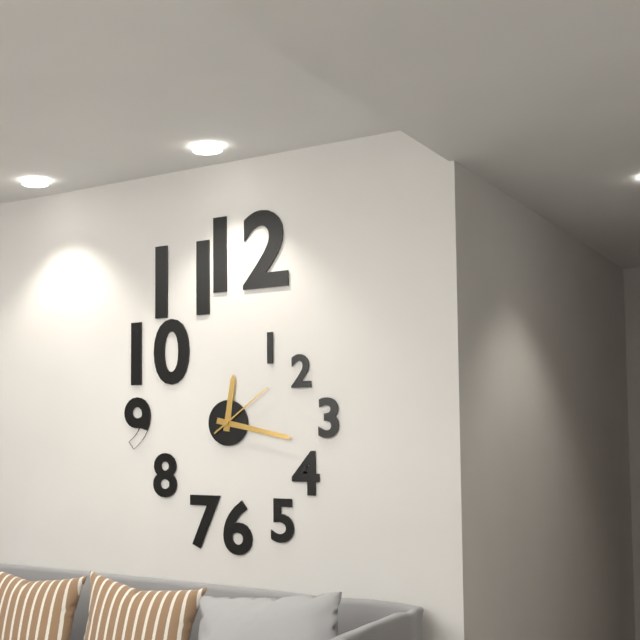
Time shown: {"hour": 12, "minute": 17, "second": 9}
